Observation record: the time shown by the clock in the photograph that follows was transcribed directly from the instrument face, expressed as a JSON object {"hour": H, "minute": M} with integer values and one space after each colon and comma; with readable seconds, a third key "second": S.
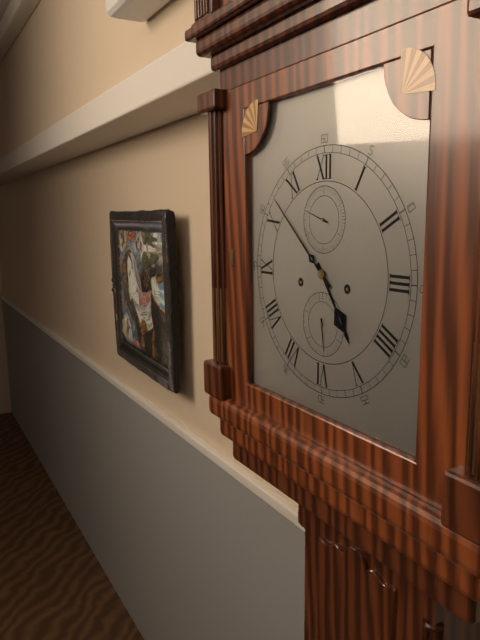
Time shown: {"hour": 4, "minute": 52}
